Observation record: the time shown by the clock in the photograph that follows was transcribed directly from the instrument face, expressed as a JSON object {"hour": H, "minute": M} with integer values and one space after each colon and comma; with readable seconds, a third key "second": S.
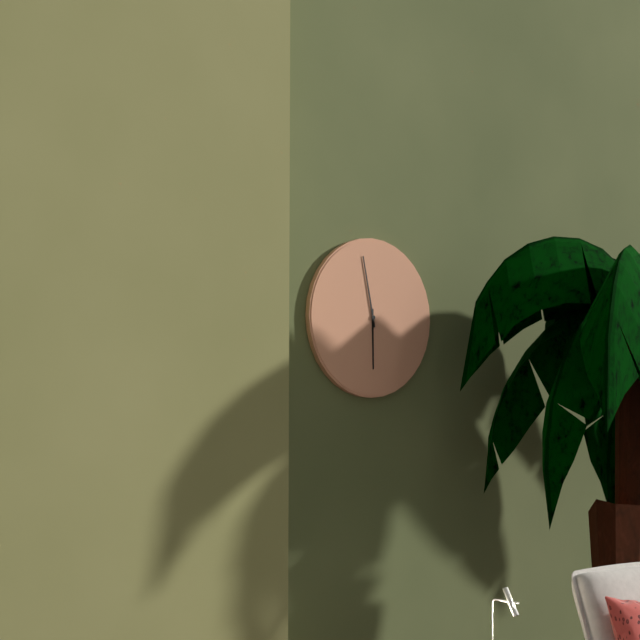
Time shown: {"hour": 5, "minute": 58}
